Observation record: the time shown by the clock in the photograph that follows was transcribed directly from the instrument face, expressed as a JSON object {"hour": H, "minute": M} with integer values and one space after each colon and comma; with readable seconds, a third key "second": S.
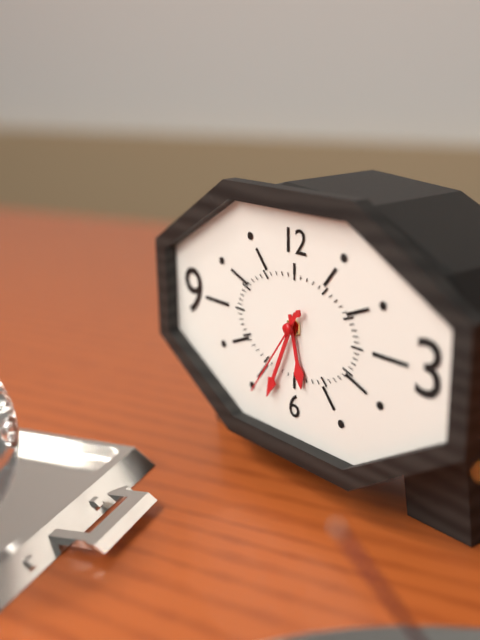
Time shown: {"hour": 5, "minute": 34, "second": 36}
